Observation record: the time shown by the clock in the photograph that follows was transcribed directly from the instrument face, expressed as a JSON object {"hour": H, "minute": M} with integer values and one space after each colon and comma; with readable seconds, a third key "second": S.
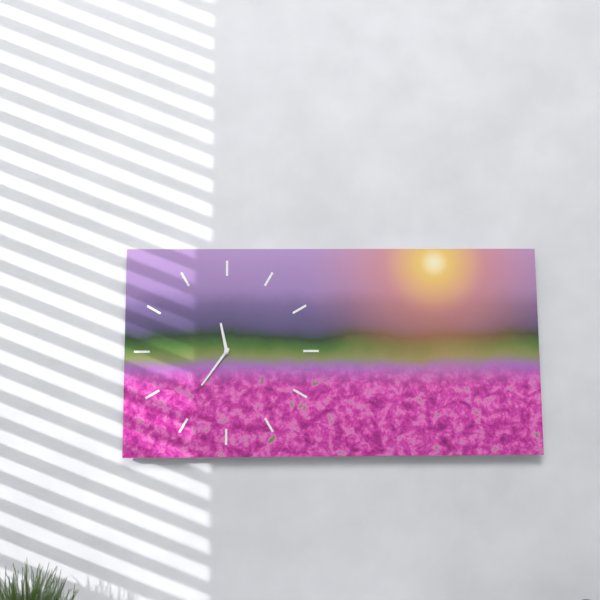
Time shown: {"hour": 11, "minute": 36}
